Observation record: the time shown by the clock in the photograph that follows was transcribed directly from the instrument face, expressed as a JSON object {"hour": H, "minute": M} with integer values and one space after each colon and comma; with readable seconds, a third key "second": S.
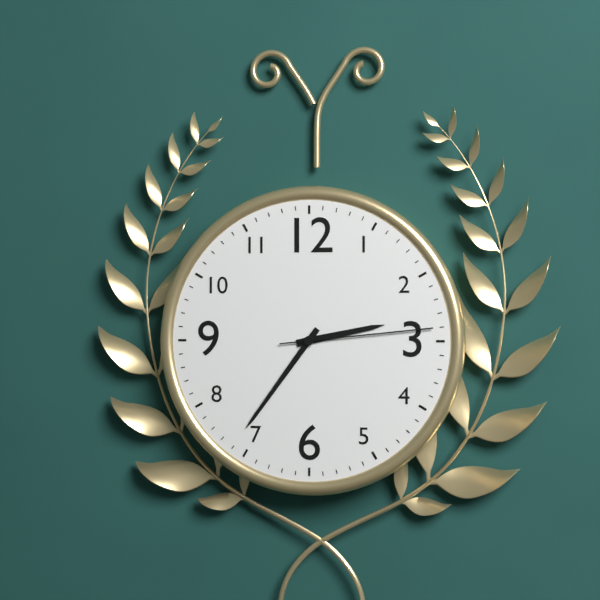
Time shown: {"hour": 2, "minute": 36, "second": 14}
